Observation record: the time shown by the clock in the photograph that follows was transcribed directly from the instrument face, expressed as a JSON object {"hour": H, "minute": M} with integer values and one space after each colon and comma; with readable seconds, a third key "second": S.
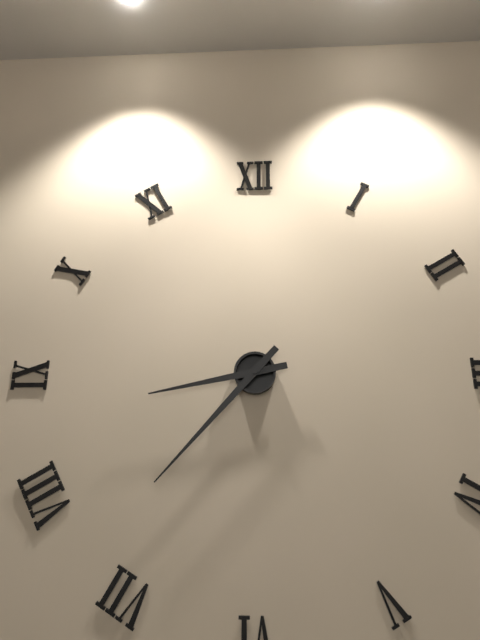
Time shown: {"hour": 8, "minute": 37}
